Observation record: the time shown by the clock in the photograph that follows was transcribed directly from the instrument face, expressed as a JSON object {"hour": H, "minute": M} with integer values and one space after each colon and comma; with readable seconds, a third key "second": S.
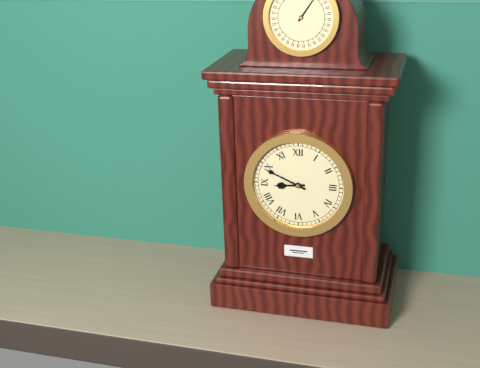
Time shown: {"hour": 8, "minute": 49}
